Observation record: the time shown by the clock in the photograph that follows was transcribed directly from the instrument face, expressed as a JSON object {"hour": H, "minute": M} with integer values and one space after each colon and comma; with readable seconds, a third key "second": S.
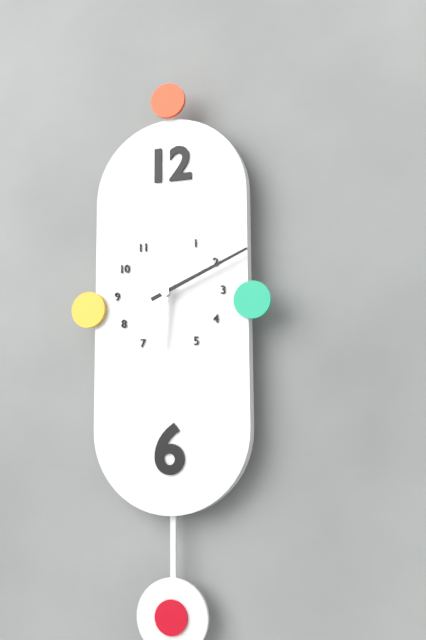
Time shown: {"hour": 6, "minute": 11}
